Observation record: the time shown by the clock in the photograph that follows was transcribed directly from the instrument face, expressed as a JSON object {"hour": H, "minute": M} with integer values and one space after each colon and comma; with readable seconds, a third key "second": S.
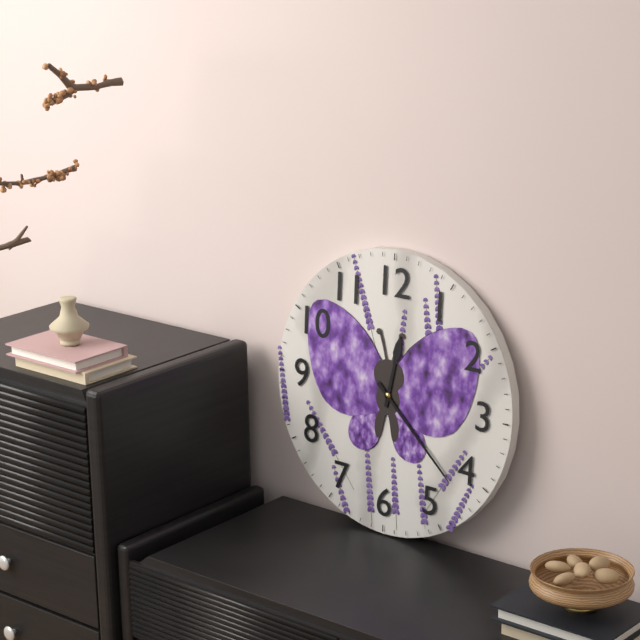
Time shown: {"hour": 12, "minute": 22}
